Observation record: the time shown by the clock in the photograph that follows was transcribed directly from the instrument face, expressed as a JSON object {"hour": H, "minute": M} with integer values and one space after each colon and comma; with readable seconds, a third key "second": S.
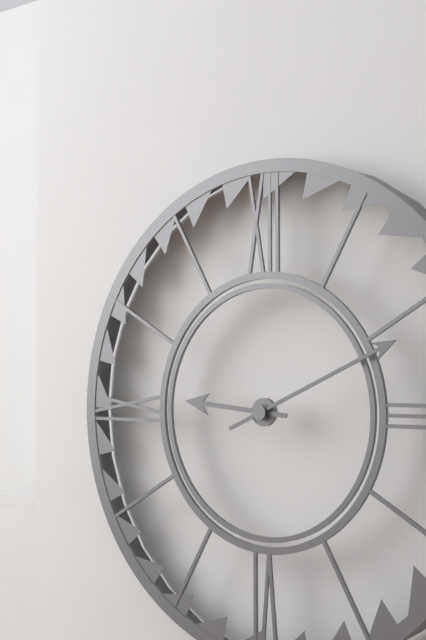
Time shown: {"hour": 9, "minute": 11}
